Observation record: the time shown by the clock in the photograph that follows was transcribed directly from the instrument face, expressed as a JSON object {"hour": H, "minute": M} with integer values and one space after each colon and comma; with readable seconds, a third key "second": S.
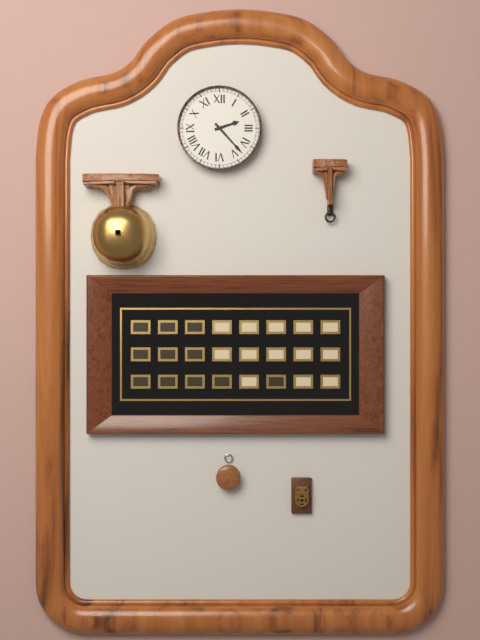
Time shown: {"hour": 2, "minute": 23}
